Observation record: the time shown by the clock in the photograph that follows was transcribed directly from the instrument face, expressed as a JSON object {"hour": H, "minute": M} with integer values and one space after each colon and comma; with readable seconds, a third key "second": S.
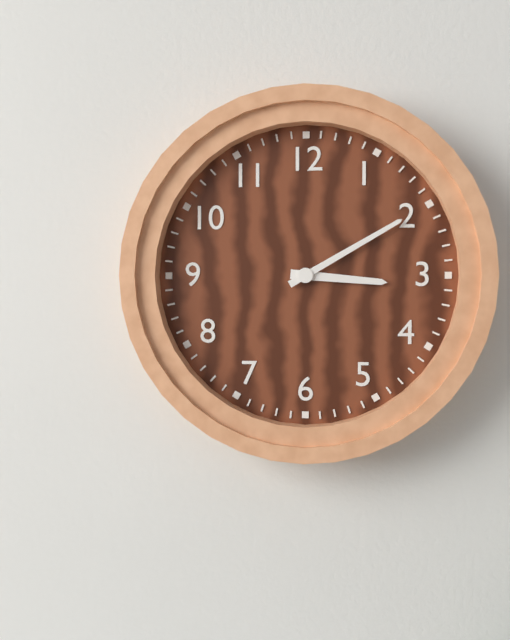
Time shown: {"hour": 3, "minute": 10}
